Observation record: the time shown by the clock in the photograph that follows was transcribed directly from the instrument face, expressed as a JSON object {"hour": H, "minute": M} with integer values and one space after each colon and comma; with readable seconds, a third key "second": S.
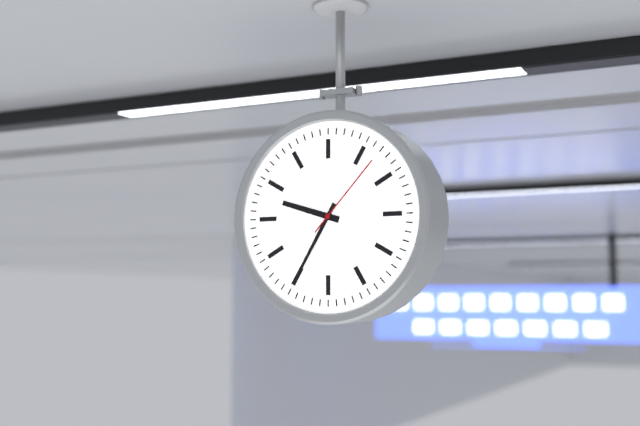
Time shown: {"hour": 9, "minute": 35, "second": 7}
